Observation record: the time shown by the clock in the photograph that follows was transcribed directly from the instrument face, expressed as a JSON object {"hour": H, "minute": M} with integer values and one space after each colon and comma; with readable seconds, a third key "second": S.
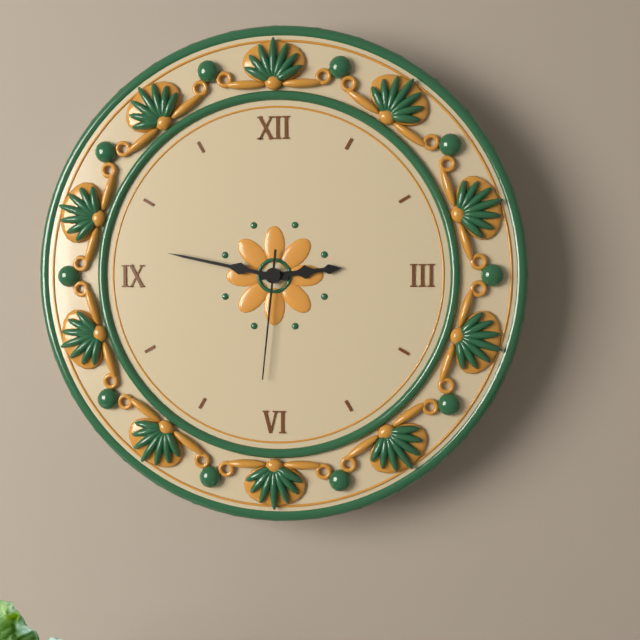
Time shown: {"hour": 2, "minute": 47, "second": 31}
